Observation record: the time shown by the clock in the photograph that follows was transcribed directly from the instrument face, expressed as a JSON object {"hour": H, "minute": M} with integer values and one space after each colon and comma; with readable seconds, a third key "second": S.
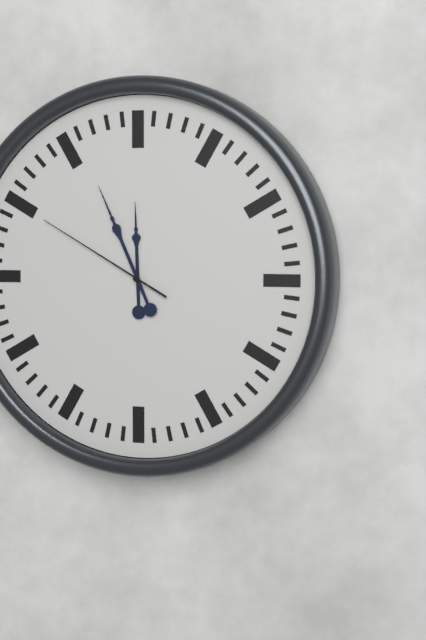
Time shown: {"hour": 11, "minute": 56, "second": 50}
